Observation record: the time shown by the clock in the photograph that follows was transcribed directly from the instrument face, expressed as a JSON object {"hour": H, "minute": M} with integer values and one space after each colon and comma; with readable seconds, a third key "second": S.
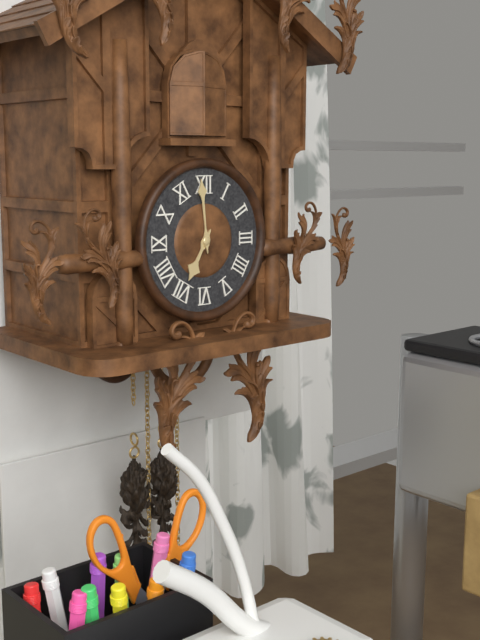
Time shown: {"hour": 6, "minute": 59}
